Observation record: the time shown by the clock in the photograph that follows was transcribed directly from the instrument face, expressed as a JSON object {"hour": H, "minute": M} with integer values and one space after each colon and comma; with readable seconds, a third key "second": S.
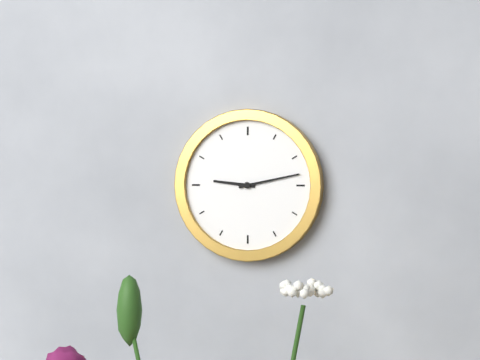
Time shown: {"hour": 9, "minute": 13}
